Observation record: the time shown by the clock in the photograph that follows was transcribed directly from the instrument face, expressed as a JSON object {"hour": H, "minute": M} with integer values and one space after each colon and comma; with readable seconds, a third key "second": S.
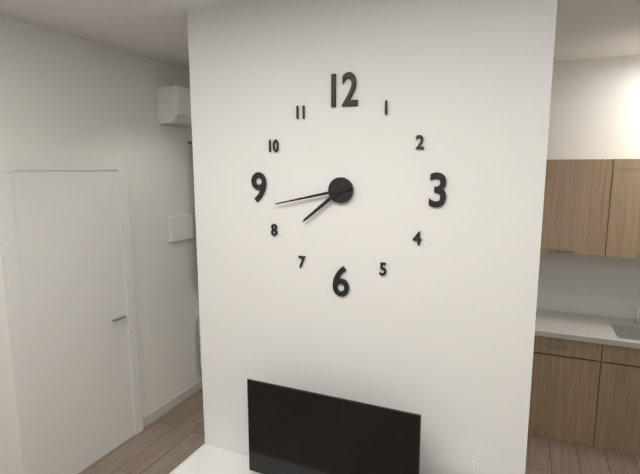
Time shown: {"hour": 7, "minute": 43}
